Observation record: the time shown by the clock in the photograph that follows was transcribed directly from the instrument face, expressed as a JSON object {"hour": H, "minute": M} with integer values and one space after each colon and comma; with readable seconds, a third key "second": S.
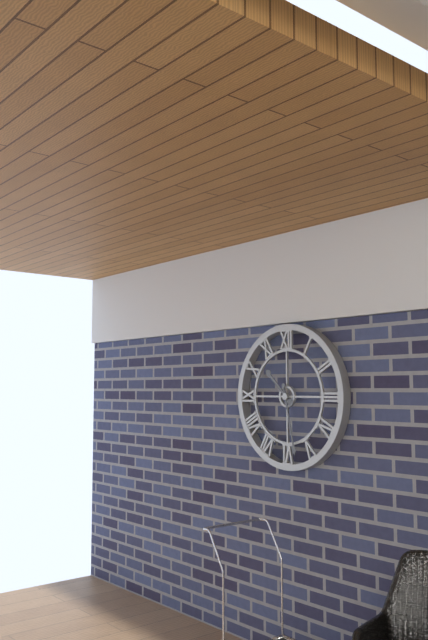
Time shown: {"hour": 10, "minute": 28}
